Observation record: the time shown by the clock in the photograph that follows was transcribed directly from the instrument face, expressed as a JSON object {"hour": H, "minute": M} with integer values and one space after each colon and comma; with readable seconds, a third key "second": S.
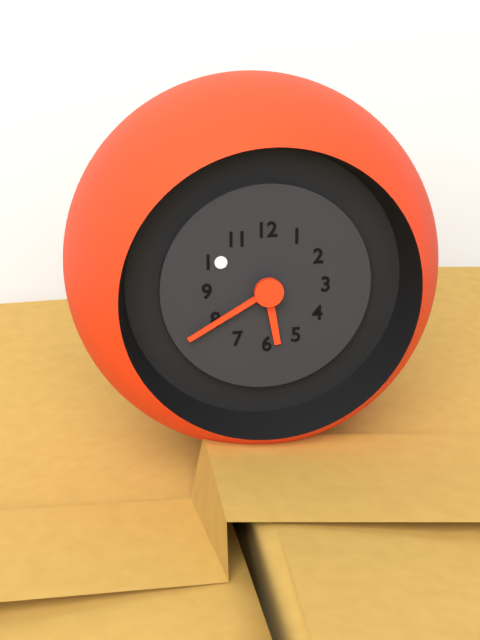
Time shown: {"hour": 5, "minute": 40}
